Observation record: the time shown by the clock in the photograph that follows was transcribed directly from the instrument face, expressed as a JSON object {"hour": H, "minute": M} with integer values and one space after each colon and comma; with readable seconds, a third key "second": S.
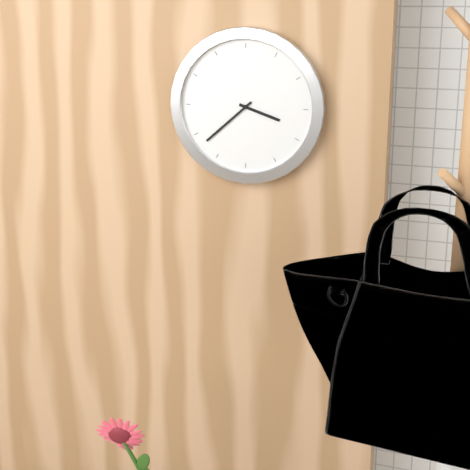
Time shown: {"hour": 3, "minute": 38}
